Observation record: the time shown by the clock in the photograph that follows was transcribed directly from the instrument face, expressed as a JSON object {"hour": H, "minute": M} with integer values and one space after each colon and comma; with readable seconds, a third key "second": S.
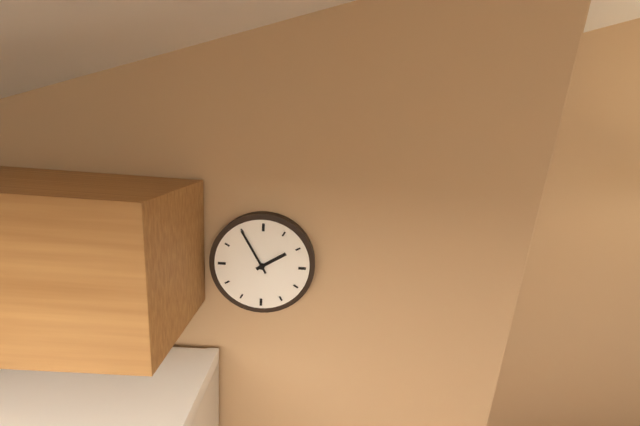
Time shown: {"hour": 1, "minute": 55}
